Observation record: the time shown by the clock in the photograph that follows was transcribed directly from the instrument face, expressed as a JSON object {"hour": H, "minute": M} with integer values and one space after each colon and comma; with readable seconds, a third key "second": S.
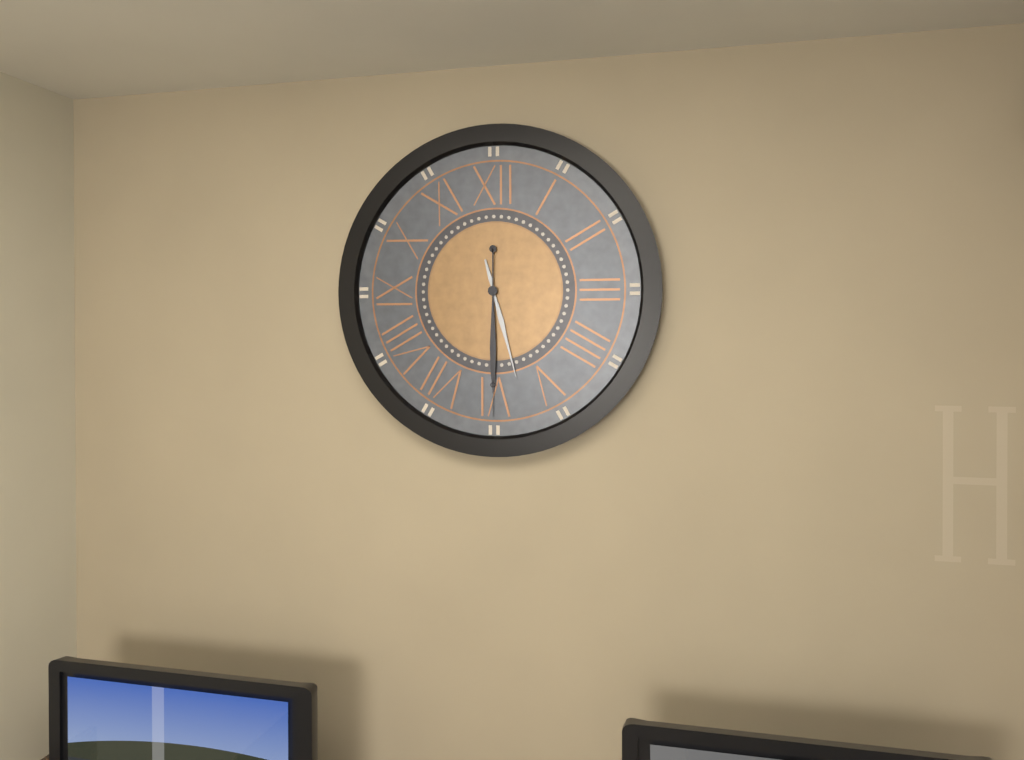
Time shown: {"hour": 5, "minute": 30}
